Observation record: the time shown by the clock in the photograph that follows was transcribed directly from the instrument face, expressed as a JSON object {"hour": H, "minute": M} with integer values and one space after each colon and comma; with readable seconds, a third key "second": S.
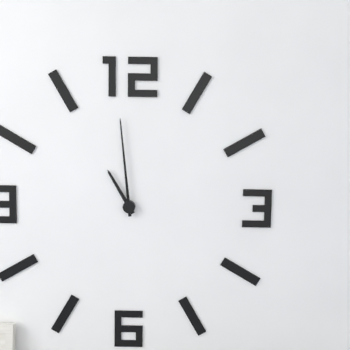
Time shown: {"hour": 10, "minute": 59}
